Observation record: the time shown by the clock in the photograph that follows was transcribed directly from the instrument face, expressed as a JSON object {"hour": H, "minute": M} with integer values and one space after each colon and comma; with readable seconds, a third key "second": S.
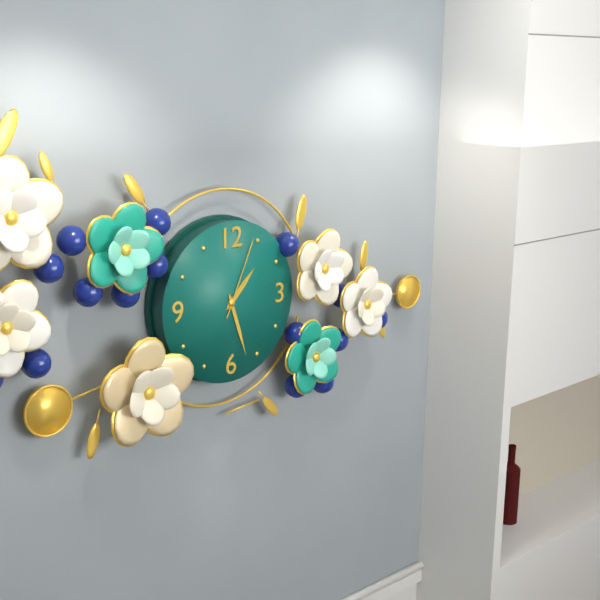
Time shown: {"hour": 1, "minute": 27, "second": 4}
